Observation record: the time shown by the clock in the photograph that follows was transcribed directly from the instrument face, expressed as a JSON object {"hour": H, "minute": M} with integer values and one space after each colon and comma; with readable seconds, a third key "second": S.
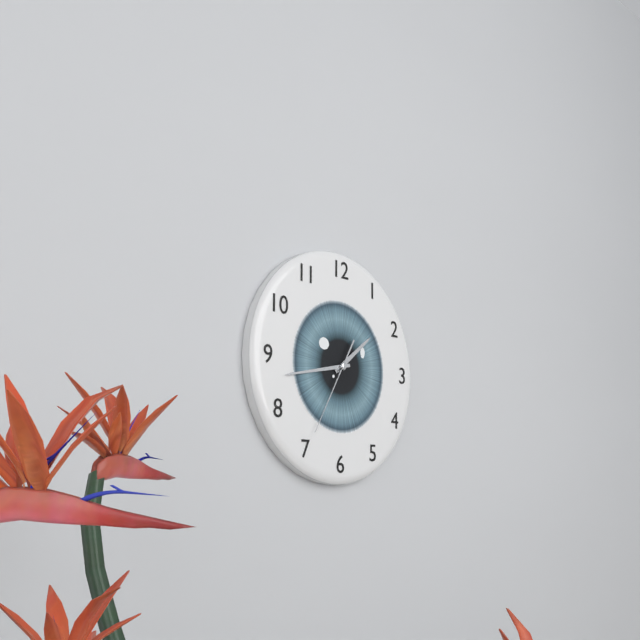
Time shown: {"hour": 1, "minute": 43, "second": 35}
